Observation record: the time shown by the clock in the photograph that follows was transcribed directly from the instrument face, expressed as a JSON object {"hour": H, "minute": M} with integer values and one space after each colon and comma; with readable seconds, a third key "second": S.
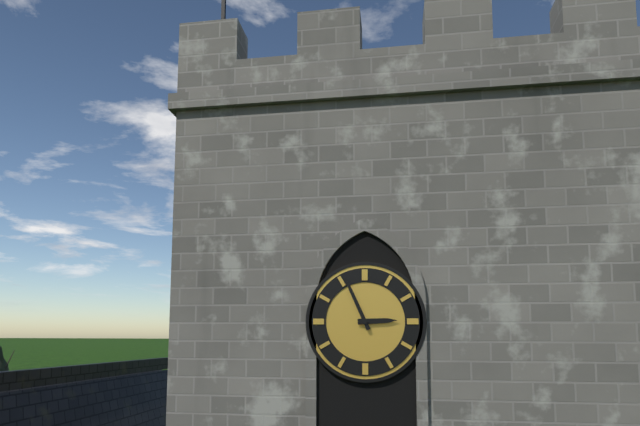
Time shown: {"hour": 2, "minute": 56}
